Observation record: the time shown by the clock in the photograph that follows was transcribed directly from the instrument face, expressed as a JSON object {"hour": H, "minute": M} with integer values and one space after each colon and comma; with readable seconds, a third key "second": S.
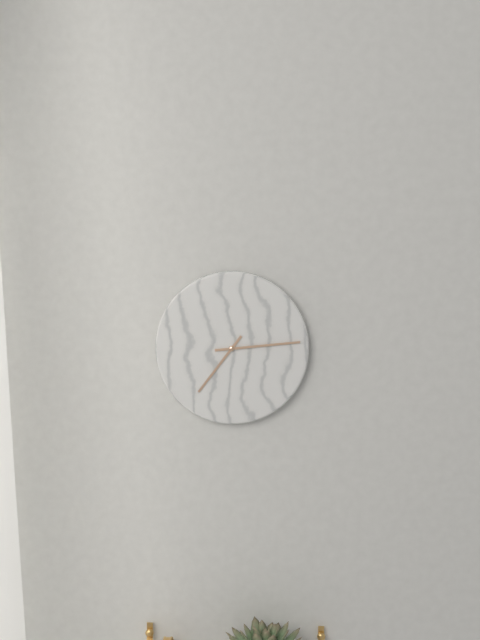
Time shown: {"hour": 7, "minute": 14}
